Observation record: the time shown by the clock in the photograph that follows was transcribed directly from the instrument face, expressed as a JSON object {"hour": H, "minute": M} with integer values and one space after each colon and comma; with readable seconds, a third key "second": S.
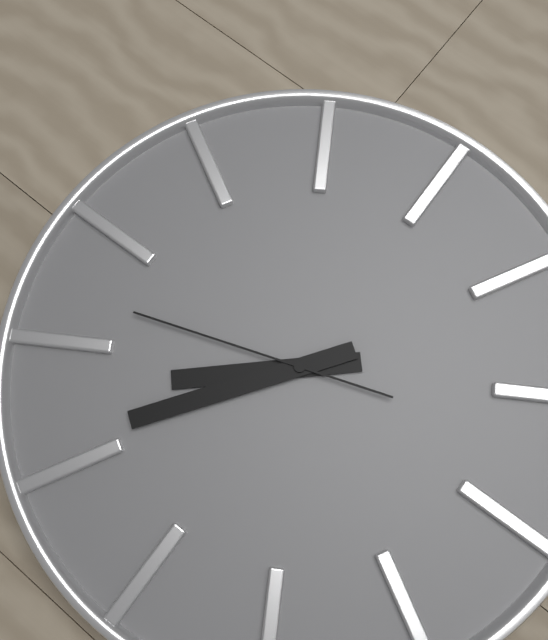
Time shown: {"hour": 7, "minute": 36, "second": 42}
